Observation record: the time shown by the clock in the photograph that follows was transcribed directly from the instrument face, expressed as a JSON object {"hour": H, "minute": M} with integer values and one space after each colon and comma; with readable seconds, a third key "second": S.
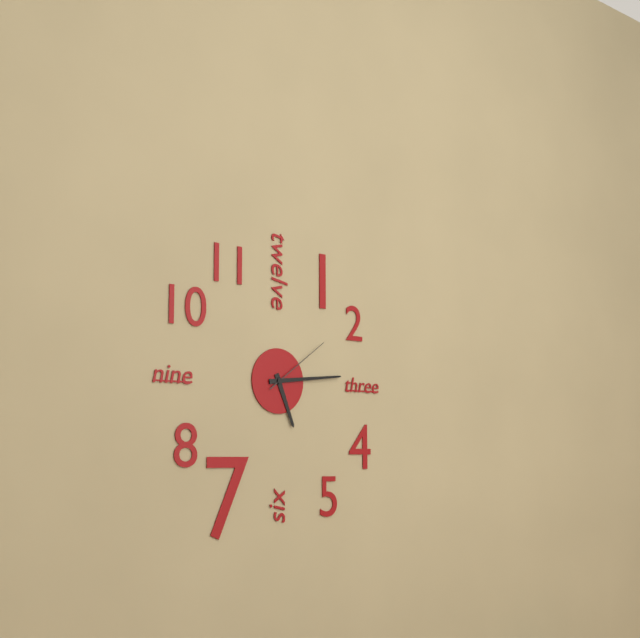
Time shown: {"hour": 5, "minute": 14, "second": 9}
